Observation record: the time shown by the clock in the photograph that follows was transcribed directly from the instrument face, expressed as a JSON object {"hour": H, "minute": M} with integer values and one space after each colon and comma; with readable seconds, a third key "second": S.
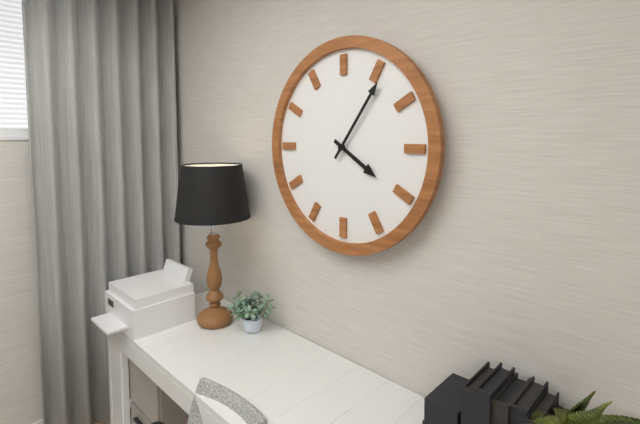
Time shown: {"hour": 4, "minute": 6}
